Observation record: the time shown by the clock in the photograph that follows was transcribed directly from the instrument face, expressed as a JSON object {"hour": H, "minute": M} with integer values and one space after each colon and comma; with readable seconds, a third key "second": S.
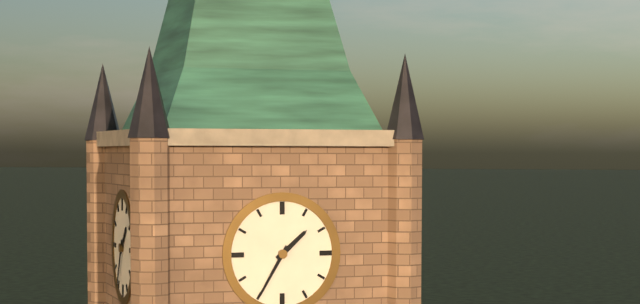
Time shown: {"hour": 1, "minute": 35}
